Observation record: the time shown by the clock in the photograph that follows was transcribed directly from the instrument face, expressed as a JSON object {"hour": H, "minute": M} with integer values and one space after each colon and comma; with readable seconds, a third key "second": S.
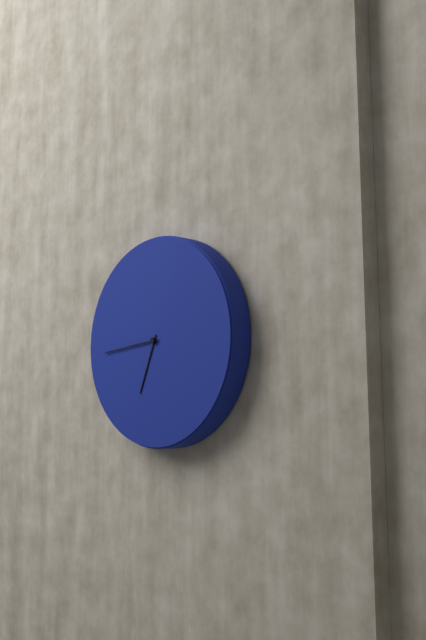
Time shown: {"hour": 6, "minute": 44}
